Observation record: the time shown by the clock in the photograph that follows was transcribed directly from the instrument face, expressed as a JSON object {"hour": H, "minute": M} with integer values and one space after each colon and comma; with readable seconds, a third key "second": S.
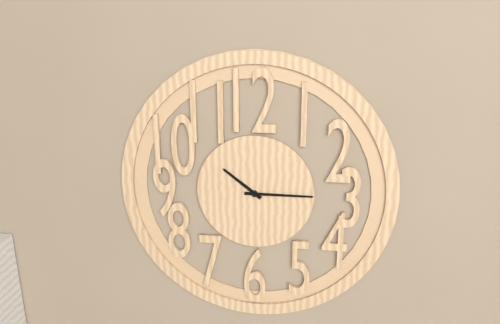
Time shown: {"hour": 10, "minute": 15}
